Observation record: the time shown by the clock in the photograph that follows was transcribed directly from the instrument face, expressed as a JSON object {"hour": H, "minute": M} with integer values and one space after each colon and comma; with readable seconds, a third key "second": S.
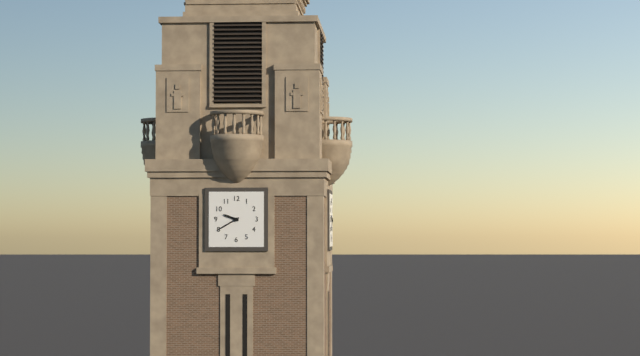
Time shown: {"hour": 9, "minute": 40}
